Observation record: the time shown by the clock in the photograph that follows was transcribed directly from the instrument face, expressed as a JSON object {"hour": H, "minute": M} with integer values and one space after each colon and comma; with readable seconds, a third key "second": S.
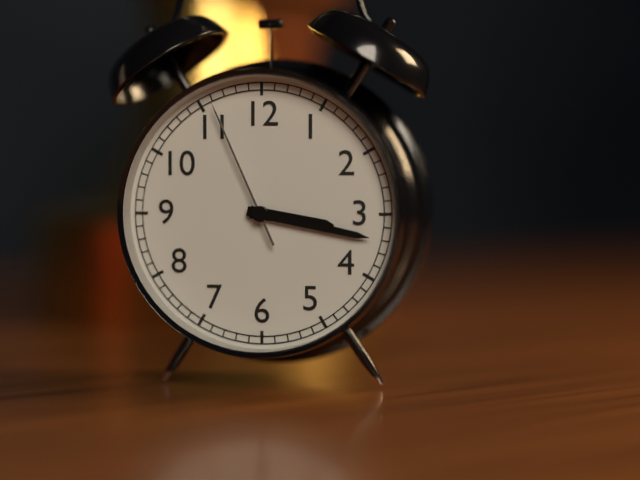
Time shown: {"hour": 3, "minute": 17, "second": 56}
